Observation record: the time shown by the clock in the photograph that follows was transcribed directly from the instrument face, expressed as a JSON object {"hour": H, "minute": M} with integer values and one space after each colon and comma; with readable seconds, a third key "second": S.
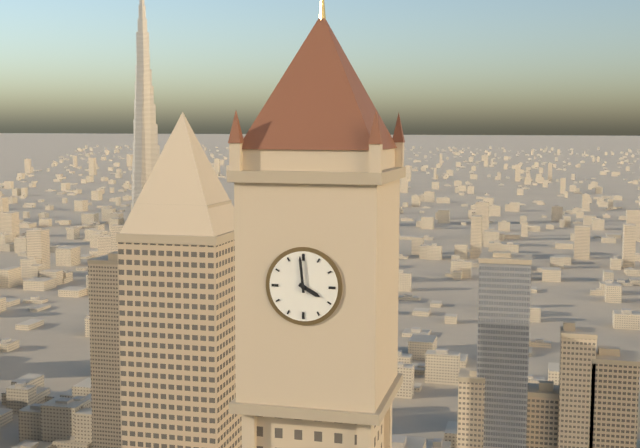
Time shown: {"hour": 3, "minute": 59}
